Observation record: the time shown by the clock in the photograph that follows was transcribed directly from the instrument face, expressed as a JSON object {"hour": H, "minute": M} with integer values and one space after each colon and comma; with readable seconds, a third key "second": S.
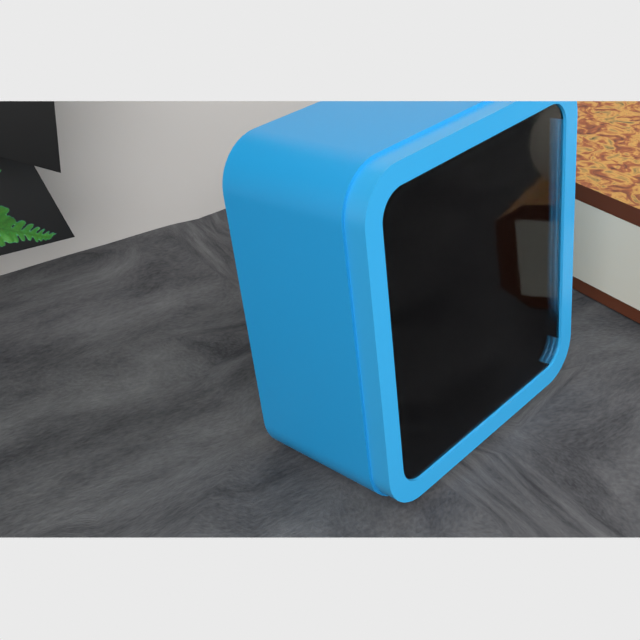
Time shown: {"hour": 3, "minute": 38}
